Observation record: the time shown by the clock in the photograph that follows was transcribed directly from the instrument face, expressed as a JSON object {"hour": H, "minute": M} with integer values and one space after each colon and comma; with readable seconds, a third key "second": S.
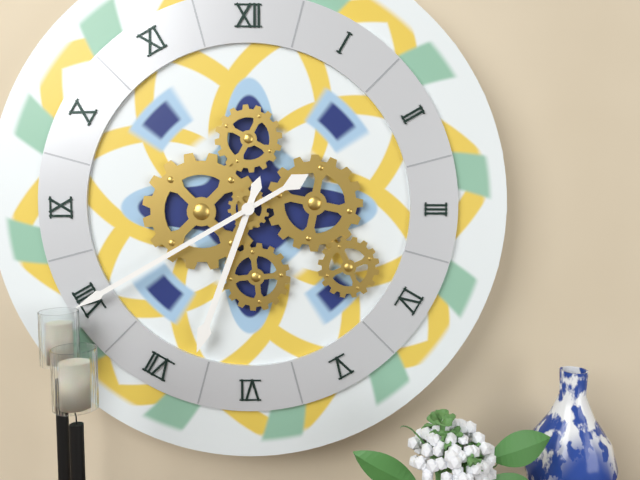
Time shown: {"hour": 6, "minute": 40}
